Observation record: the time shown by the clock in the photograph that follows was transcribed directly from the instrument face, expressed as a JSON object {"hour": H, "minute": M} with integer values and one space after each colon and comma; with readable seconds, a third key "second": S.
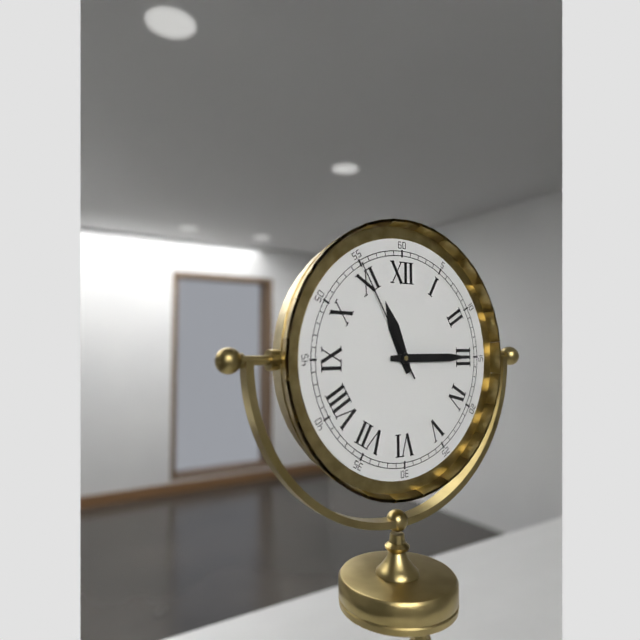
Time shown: {"hour": 11, "minute": 15, "second": 55}
